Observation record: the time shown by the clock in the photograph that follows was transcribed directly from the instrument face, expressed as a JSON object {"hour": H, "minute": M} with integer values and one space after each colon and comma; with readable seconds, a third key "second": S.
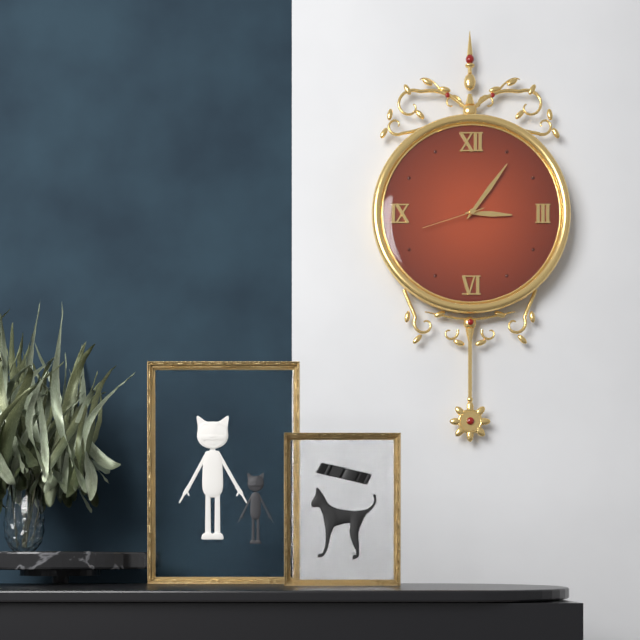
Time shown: {"hour": 3, "minute": 6, "second": 42}
